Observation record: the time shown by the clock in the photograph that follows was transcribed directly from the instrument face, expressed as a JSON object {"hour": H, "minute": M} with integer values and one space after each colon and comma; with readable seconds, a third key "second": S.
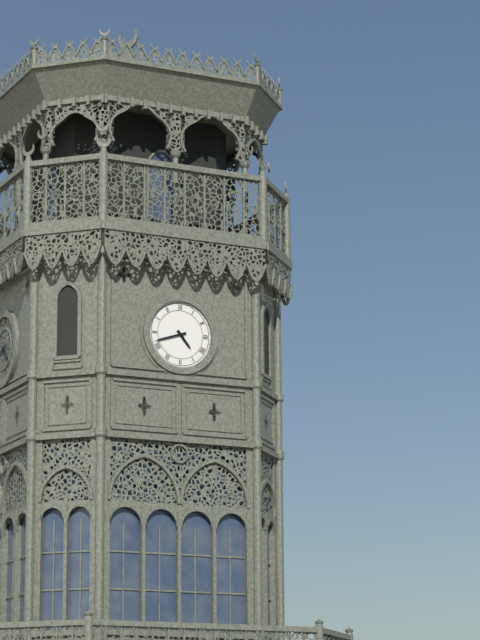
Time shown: {"hour": 4, "minute": 42}
